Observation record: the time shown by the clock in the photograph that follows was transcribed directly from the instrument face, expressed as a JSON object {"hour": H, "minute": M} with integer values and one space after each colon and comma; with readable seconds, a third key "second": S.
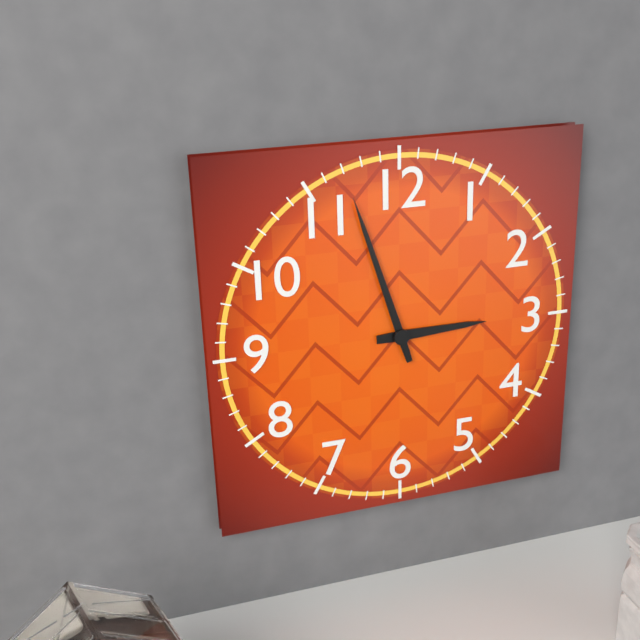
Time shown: {"hour": 2, "minute": 57}
